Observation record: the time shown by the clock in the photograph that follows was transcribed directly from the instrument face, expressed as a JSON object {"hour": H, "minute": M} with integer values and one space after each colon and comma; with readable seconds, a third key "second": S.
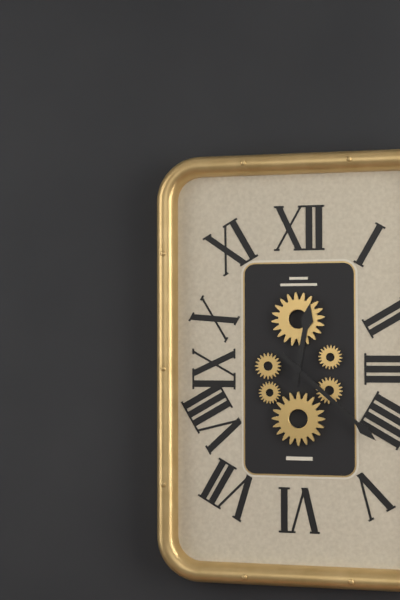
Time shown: {"hour": 12, "minute": 22}
